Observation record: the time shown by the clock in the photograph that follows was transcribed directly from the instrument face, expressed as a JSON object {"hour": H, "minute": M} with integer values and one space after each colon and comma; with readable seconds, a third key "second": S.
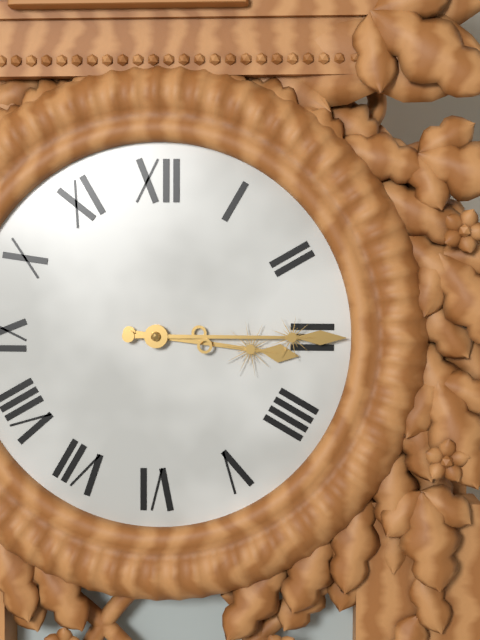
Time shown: {"hour": 3, "minute": 15}
